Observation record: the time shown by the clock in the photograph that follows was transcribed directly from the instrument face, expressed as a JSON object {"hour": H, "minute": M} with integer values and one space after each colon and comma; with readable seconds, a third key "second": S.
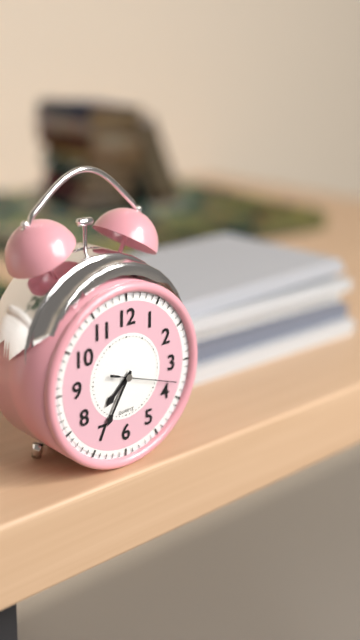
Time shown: {"hour": 7, "minute": 35, "second": 18}
